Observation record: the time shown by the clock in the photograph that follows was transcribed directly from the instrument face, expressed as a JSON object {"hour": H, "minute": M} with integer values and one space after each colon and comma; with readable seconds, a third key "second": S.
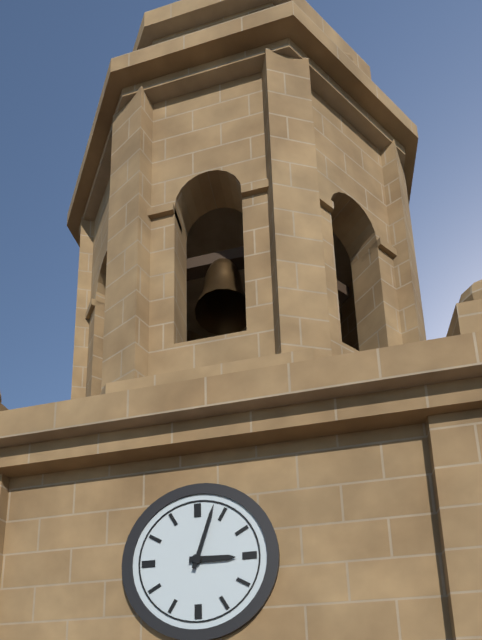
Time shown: {"hour": 3, "minute": 3}
